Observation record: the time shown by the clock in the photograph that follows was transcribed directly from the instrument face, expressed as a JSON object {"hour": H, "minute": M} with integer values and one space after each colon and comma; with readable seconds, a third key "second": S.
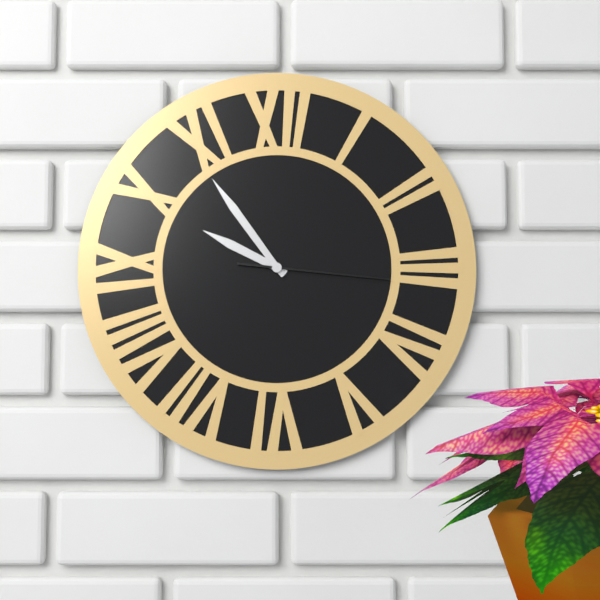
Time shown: {"hour": 9, "minute": 54, "second": 16}
